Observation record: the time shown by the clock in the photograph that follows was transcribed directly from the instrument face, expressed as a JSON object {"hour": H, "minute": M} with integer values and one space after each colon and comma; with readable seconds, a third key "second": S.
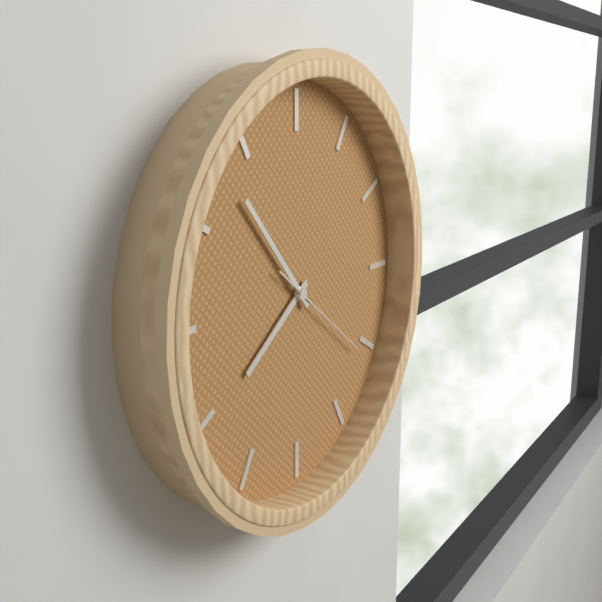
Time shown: {"hour": 7, "minute": 53, "second": 21}
